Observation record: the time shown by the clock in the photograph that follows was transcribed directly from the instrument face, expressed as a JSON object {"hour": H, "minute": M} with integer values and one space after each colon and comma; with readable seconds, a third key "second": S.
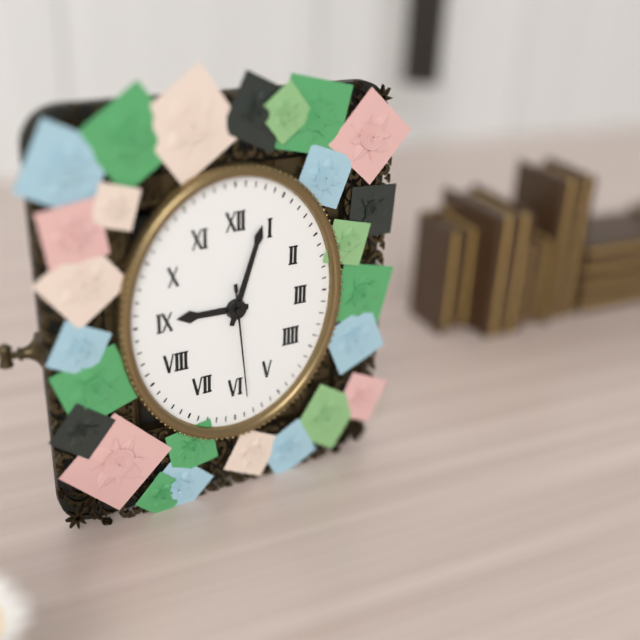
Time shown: {"hour": 9, "minute": 3, "second": 29}
